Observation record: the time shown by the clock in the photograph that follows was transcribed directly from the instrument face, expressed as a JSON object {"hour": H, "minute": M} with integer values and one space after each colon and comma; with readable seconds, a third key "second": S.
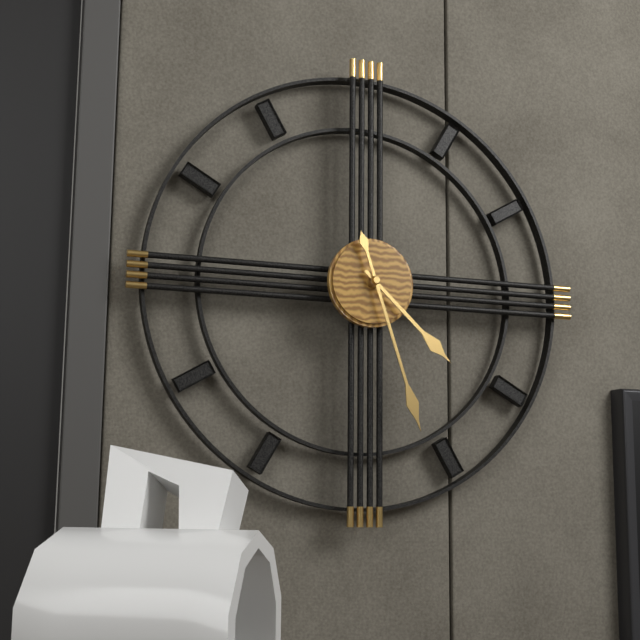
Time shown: {"hour": 4, "minute": 27}
